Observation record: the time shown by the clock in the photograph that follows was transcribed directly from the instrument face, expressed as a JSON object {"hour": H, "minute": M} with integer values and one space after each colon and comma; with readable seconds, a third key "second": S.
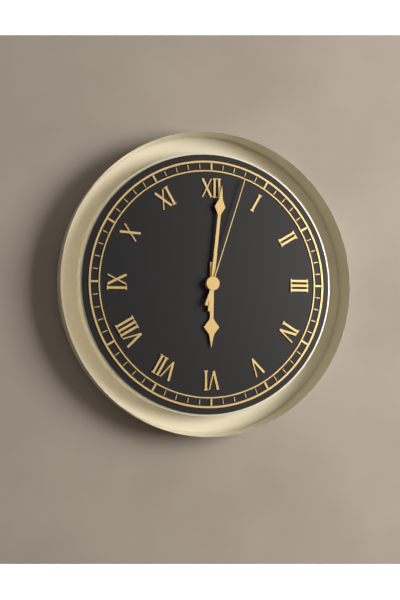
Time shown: {"hour": 6, "minute": 1, "second": 3}
